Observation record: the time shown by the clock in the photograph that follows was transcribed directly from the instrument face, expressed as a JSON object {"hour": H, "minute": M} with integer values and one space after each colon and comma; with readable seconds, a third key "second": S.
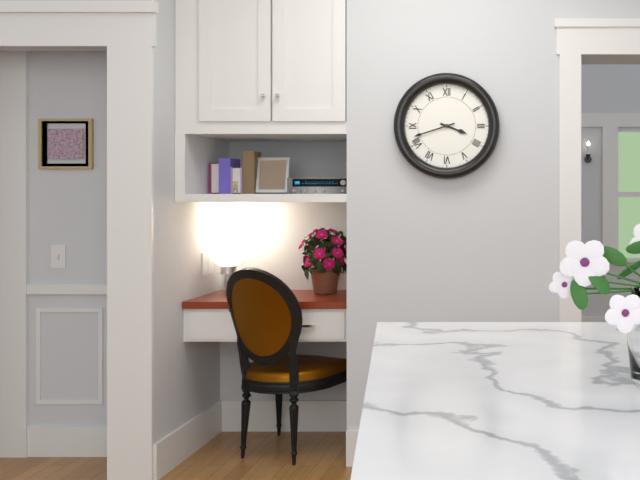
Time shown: {"hour": 3, "minute": 42}
